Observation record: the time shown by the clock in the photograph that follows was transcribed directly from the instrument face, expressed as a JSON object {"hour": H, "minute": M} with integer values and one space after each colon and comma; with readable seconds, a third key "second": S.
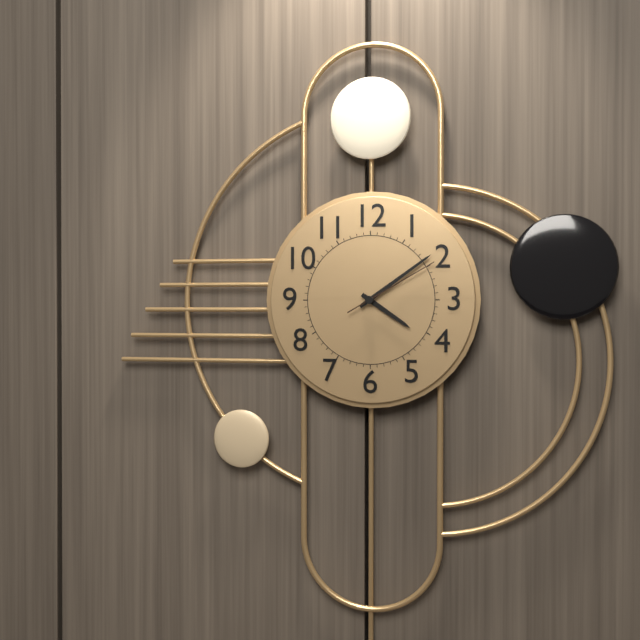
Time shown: {"hour": 4, "minute": 9, "second": 10}
